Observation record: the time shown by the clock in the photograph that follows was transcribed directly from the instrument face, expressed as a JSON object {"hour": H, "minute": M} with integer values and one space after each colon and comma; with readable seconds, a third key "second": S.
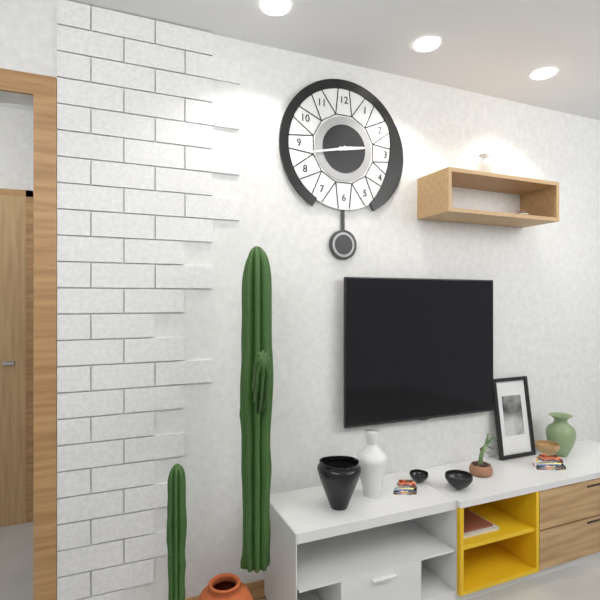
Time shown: {"hour": 2, "minute": 43}
